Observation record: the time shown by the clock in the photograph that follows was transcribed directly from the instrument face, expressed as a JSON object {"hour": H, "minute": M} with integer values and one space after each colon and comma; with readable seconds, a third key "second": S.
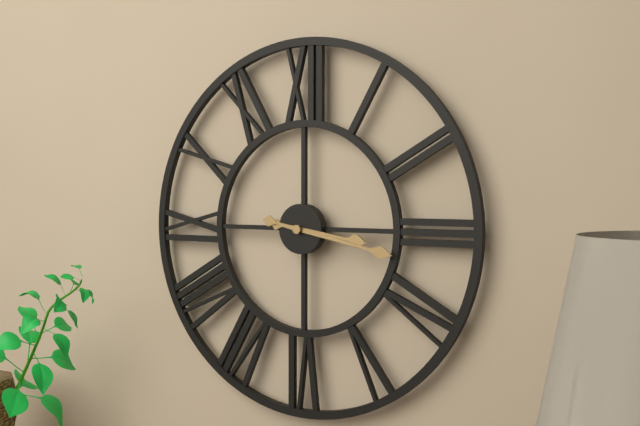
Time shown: {"hour": 3, "minute": 17}
